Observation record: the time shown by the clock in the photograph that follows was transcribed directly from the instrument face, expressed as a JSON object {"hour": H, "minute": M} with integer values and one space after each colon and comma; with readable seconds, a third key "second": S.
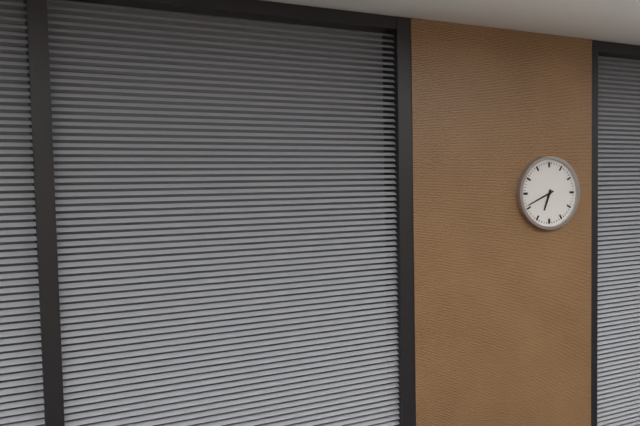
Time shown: {"hour": 6, "minute": 41}
